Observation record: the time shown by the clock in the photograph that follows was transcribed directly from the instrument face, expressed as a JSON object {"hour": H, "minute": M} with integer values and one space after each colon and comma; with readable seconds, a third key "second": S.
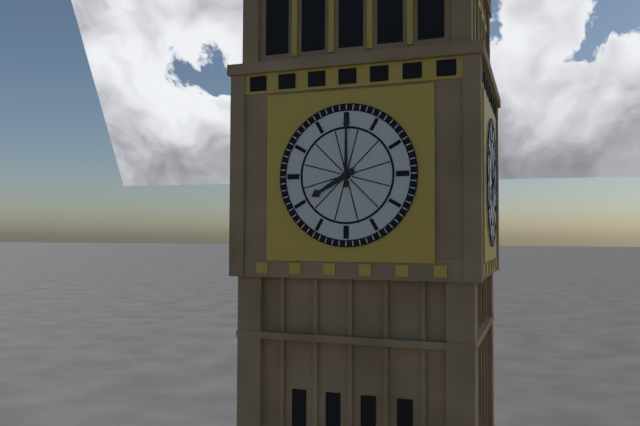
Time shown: {"hour": 8, "minute": 0}
